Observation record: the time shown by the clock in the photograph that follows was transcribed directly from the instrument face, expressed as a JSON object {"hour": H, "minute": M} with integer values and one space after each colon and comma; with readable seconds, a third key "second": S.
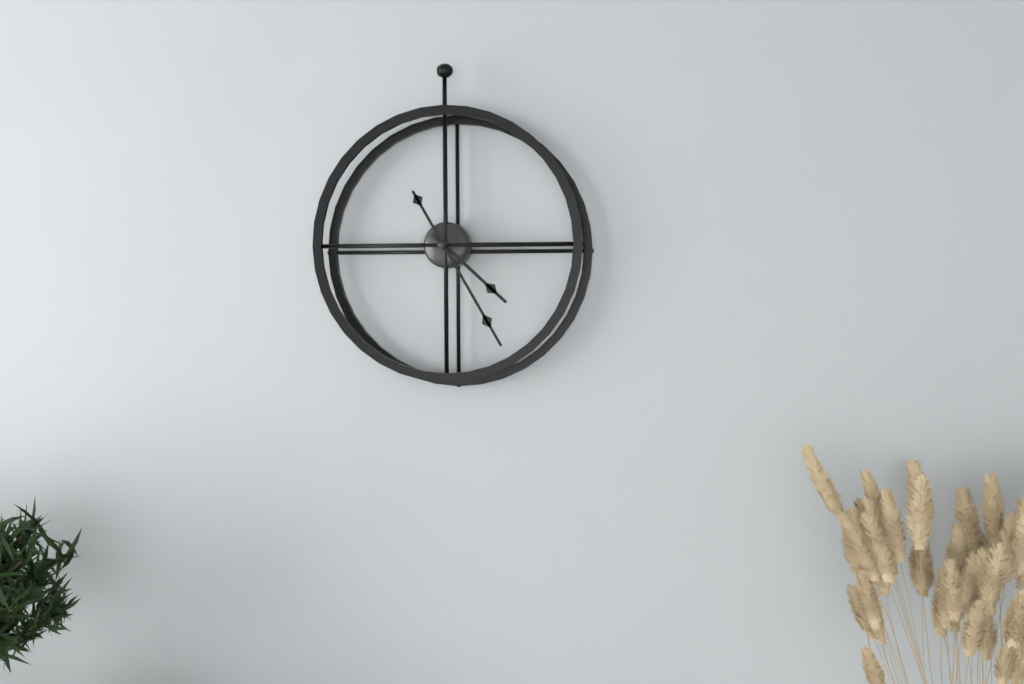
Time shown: {"hour": 4, "minute": 25}
